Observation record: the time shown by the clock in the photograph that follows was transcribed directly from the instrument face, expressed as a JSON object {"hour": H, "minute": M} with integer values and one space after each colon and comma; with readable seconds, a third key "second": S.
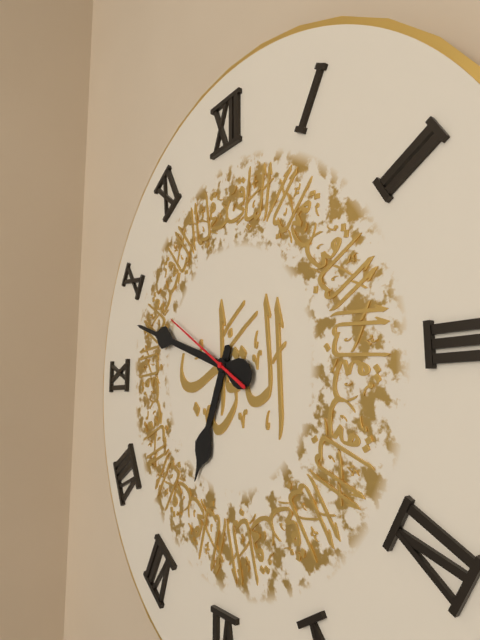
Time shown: {"hour": 6, "minute": 48, "second": 50}
